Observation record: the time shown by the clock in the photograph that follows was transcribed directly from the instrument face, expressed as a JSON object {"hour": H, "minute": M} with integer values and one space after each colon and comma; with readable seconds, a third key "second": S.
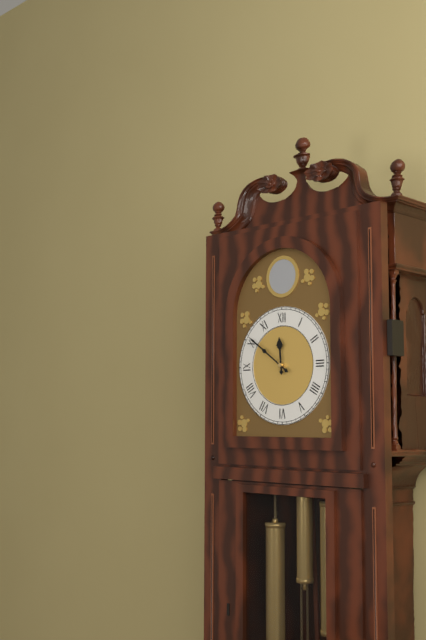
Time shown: {"hour": 11, "minute": 51}
